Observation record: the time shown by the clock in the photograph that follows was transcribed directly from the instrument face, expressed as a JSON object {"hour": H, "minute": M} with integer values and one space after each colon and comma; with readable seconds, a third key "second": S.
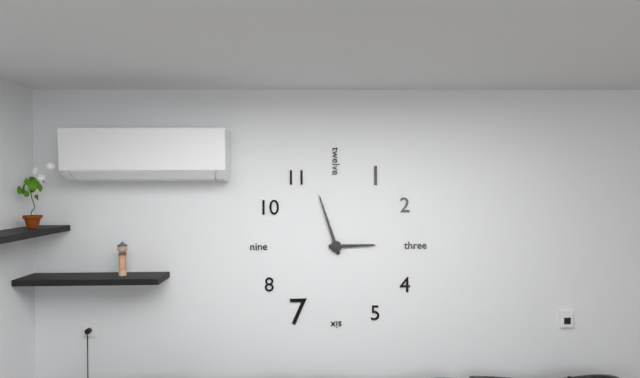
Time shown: {"hour": 2, "minute": 57}
